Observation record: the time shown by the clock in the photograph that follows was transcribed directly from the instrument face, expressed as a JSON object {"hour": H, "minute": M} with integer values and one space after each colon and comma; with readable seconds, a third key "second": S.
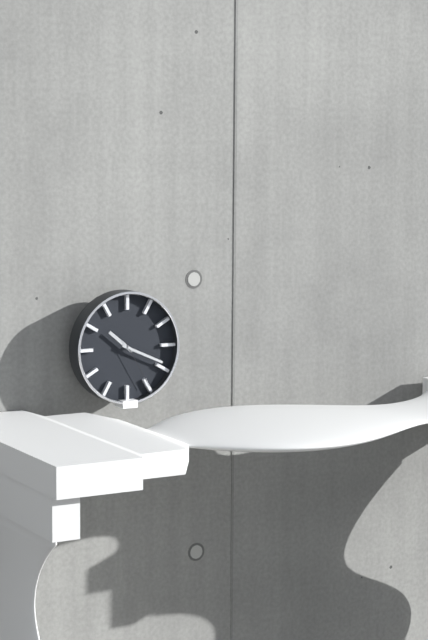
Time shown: {"hour": 10, "minute": 19, "second": 25}
